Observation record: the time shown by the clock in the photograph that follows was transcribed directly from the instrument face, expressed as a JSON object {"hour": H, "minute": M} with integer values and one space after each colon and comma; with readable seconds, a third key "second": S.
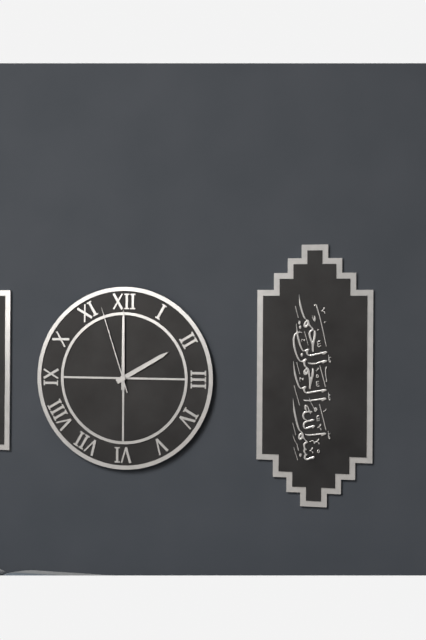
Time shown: {"hour": 2, "minute": 0, "second": 57}
